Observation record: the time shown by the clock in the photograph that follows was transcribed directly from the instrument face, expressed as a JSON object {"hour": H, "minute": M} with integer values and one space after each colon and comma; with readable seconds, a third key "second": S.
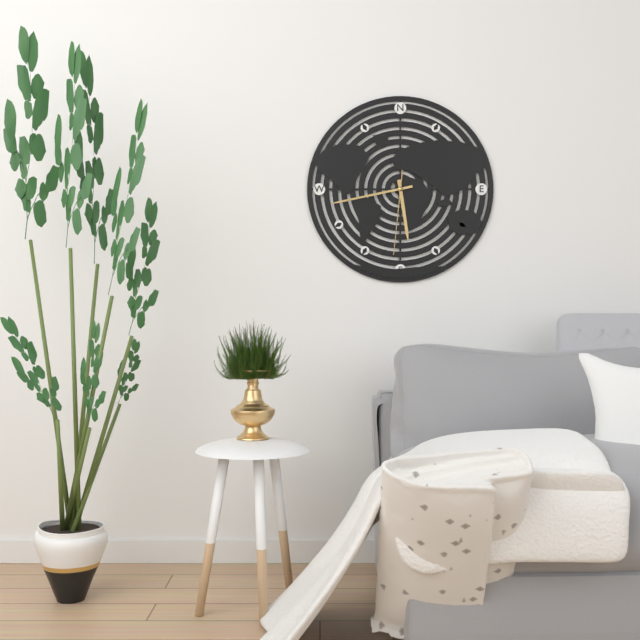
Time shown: {"hour": 5, "minute": 43, "second": 31}
